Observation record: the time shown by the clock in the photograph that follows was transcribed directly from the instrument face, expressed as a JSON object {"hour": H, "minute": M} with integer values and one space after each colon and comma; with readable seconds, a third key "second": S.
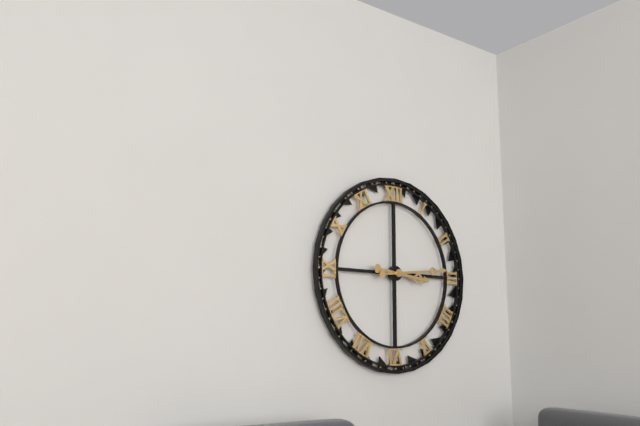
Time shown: {"hour": 3, "minute": 14}
